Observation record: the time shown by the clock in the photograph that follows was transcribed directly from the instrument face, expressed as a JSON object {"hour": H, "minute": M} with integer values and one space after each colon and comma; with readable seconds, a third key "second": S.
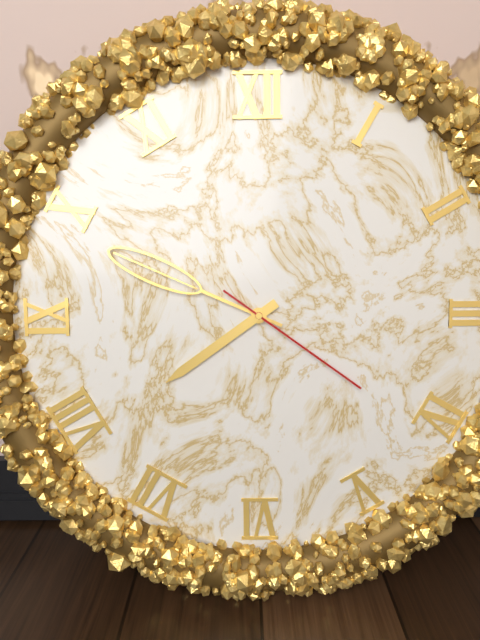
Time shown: {"hour": 7, "minute": 49, "second": 21}
